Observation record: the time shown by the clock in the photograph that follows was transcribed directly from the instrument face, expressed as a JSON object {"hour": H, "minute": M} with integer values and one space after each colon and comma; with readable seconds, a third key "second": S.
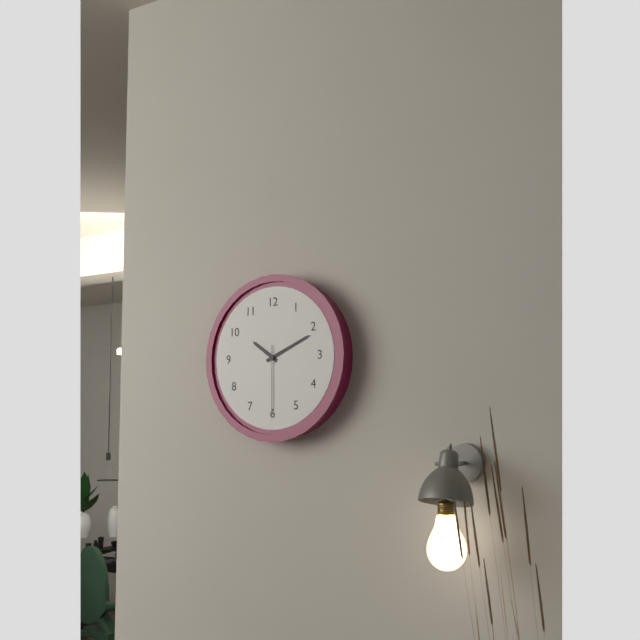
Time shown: {"hour": 10, "minute": 11, "second": 30}
